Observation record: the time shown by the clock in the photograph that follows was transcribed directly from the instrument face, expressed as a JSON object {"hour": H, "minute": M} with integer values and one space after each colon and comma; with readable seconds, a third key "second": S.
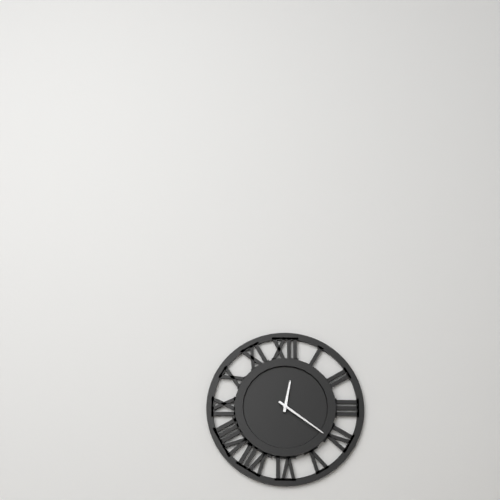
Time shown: {"hour": 12, "minute": 21}
